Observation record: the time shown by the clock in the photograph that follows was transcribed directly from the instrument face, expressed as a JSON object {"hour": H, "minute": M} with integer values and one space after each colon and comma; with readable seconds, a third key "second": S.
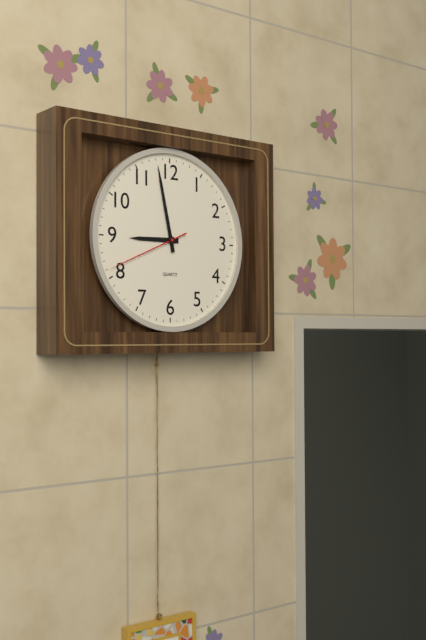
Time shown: {"hour": 8, "minute": 58, "second": 41}
